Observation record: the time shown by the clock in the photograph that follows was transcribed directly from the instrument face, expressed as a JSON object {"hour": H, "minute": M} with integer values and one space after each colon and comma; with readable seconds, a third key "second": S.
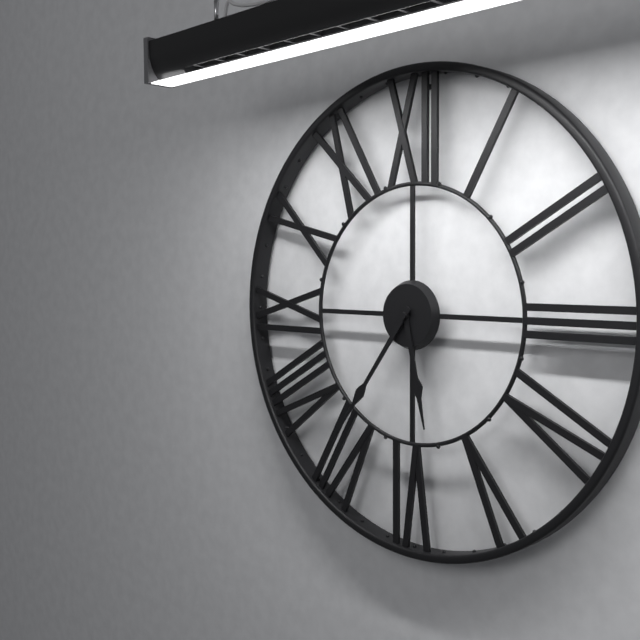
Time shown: {"hour": 5, "minute": 36}
